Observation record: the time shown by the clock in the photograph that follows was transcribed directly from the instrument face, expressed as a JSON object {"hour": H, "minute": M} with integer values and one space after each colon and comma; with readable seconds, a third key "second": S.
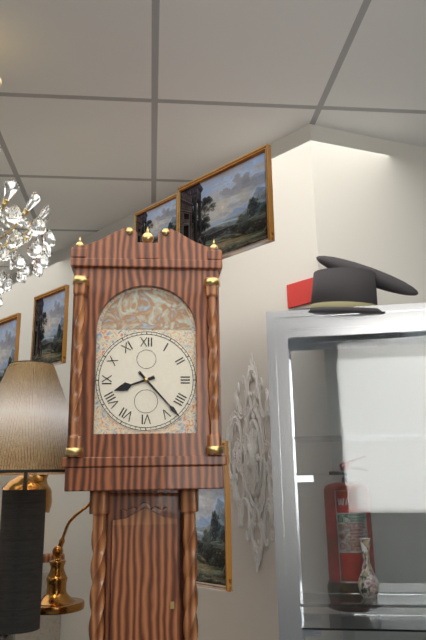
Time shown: {"hour": 8, "minute": 23}
